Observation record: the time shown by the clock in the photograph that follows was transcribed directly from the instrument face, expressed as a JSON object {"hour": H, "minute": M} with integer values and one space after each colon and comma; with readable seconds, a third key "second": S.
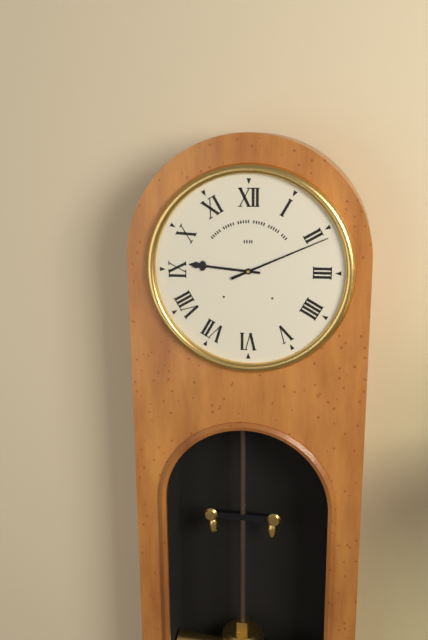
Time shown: {"hour": 9, "minute": 11}
